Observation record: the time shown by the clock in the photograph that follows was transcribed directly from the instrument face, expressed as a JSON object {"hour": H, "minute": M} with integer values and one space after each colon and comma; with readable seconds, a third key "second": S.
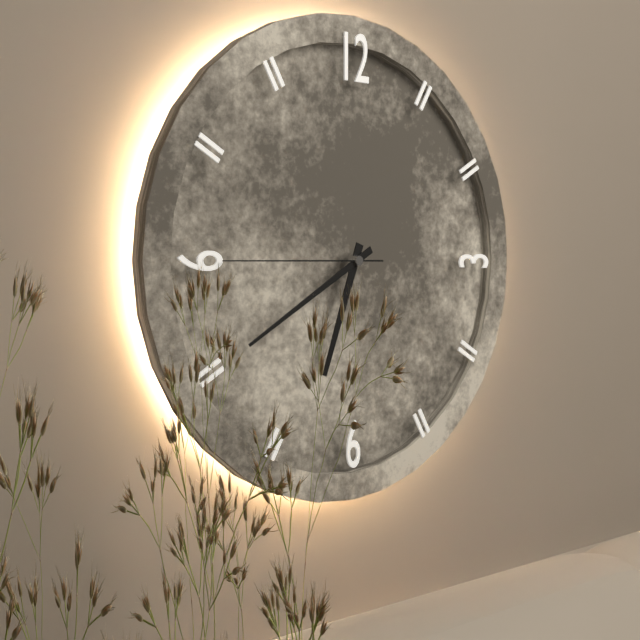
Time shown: {"hour": 6, "minute": 40, "second": 45}
